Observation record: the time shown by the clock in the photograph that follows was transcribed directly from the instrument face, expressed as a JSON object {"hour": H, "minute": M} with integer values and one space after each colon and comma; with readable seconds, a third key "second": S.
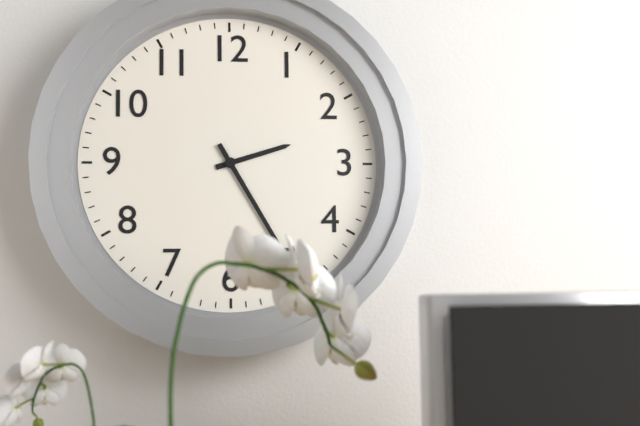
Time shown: {"hour": 2, "minute": 25}
